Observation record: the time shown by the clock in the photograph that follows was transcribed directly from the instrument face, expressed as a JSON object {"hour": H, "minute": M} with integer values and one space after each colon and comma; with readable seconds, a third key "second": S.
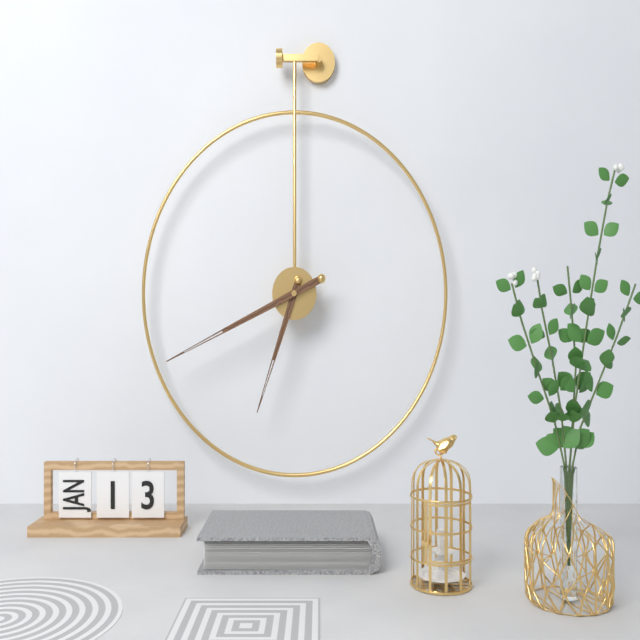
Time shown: {"hour": 6, "minute": 41}
